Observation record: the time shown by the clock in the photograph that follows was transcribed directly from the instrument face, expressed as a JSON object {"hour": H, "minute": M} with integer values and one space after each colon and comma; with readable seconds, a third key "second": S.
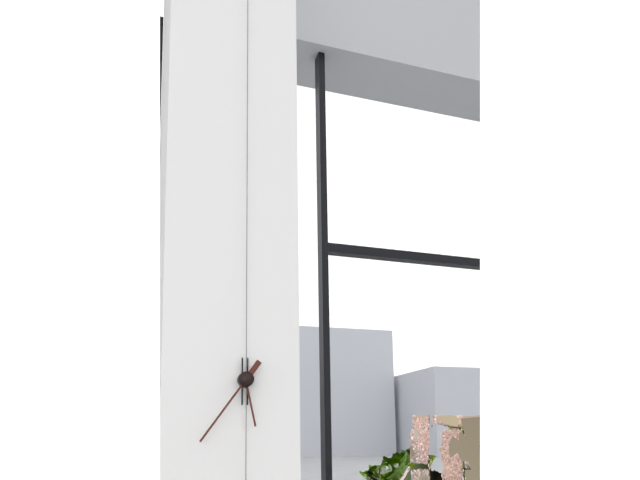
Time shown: {"hour": 5, "minute": 36}
